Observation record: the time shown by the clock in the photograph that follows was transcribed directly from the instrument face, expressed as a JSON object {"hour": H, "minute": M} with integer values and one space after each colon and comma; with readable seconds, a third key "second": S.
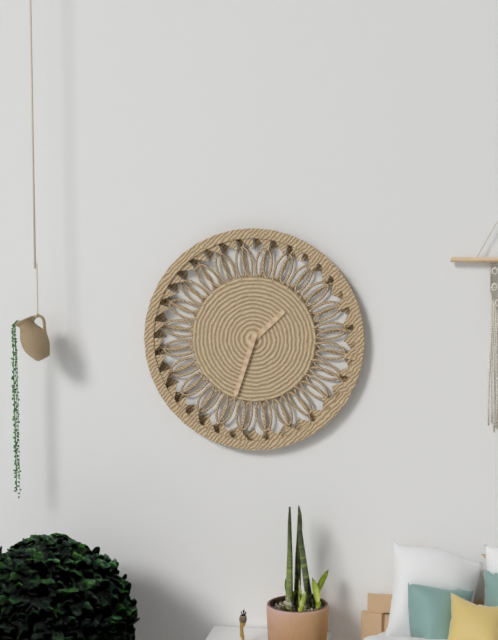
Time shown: {"hour": 1, "minute": 33}
